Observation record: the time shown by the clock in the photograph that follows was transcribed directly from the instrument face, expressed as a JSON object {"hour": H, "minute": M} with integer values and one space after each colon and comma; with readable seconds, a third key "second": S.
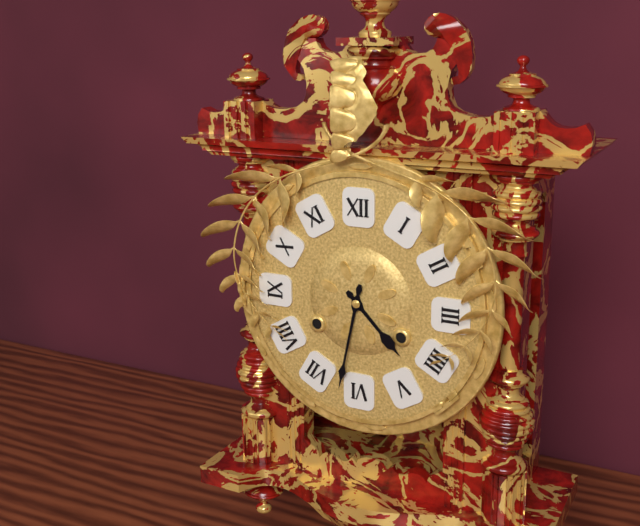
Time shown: {"hour": 4, "minute": 32}
